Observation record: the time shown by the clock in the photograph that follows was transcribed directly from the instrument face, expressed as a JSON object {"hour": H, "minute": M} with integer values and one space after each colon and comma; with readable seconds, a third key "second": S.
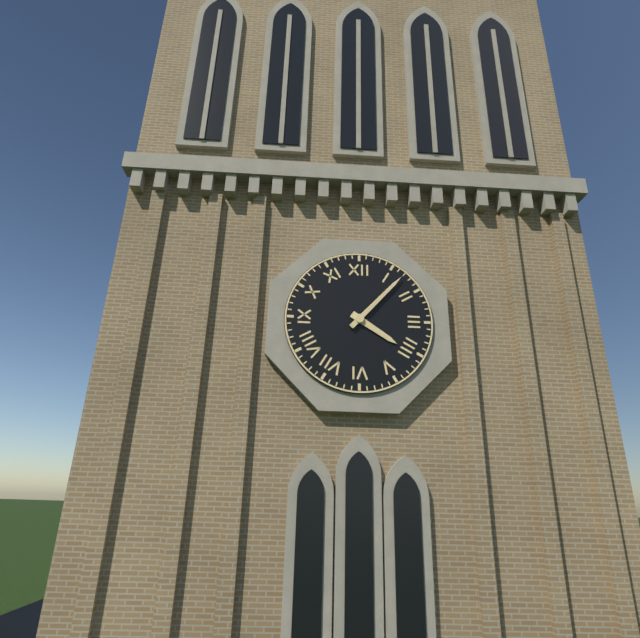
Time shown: {"hour": 4, "minute": 7}
